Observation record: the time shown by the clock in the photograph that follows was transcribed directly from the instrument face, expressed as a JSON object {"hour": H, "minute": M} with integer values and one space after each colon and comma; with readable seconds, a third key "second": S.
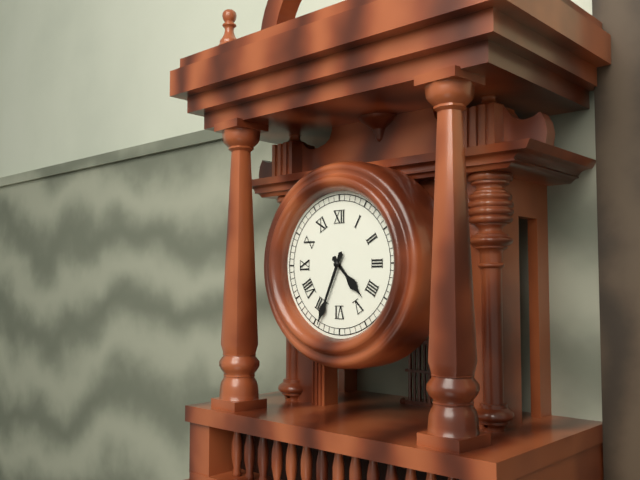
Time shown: {"hour": 4, "minute": 34}
